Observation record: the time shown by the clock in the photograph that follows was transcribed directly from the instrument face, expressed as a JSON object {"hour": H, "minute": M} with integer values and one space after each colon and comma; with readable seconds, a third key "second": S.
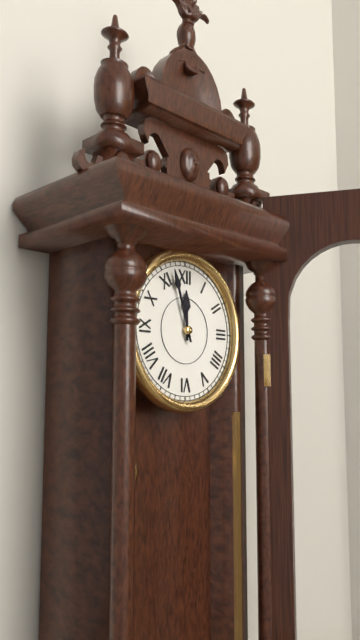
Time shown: {"hour": 11, "minute": 57}
